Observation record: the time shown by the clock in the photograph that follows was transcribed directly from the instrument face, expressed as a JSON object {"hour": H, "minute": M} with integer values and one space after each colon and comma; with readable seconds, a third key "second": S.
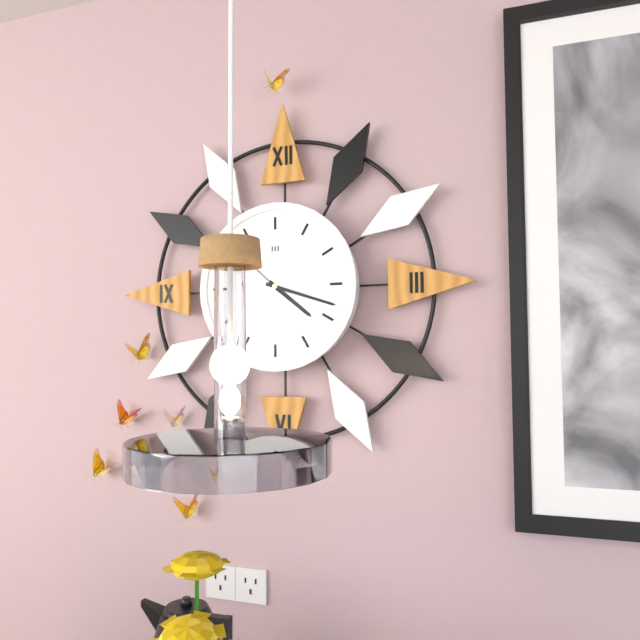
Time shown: {"hour": 4, "minute": 18}
